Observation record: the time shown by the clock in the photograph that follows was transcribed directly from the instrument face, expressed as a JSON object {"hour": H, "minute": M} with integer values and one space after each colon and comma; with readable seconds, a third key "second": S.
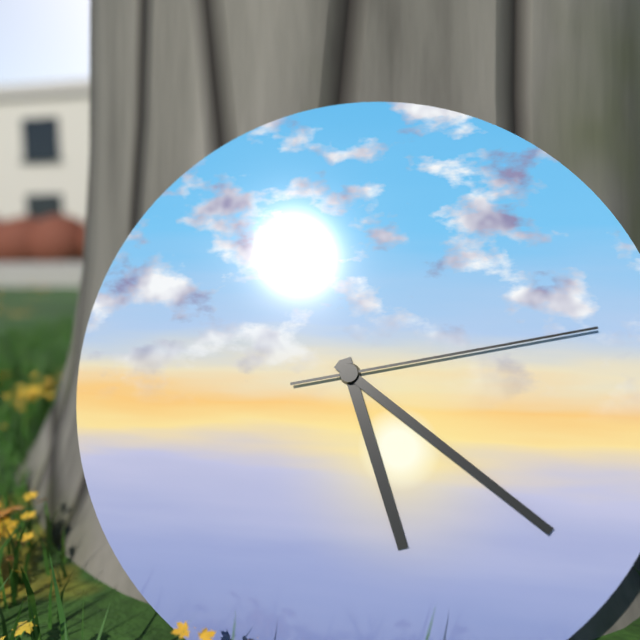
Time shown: {"hour": 5, "minute": 21, "second": 13}
